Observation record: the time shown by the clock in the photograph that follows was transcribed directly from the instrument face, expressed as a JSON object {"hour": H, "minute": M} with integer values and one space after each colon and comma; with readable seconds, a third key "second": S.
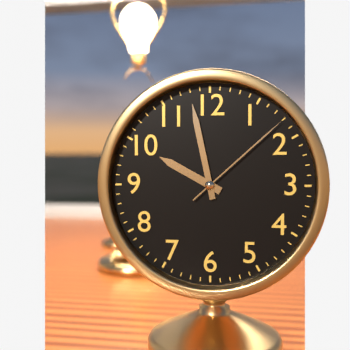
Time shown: {"hour": 9, "minute": 58, "second": 8}
